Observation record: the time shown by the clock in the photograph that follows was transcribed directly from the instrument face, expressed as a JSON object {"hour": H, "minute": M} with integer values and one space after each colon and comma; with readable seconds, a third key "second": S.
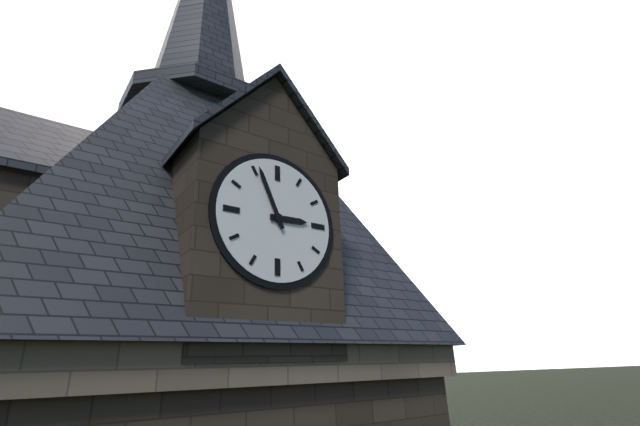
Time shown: {"hour": 2, "minute": 56}
